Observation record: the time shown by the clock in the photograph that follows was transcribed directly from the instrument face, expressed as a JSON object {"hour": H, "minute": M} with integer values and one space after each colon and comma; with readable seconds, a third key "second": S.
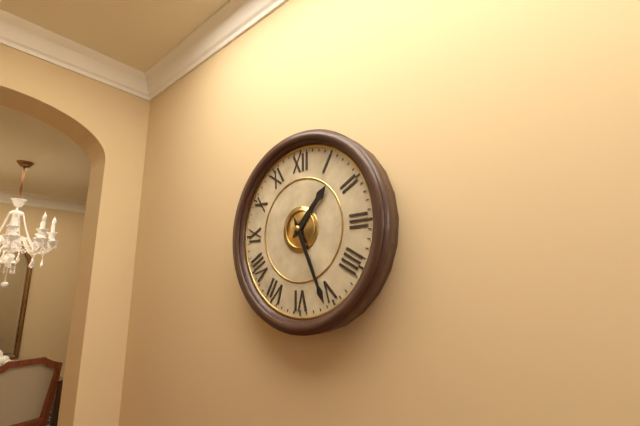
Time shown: {"hour": 1, "minute": 26}
